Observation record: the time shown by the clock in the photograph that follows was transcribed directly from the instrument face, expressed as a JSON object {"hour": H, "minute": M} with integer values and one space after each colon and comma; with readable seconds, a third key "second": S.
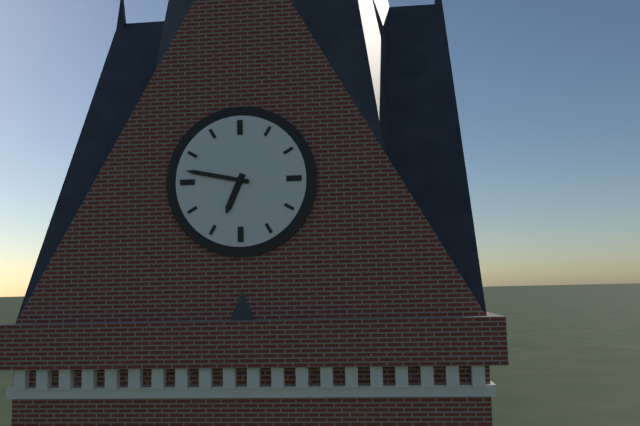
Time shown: {"hour": 6, "minute": 47}
